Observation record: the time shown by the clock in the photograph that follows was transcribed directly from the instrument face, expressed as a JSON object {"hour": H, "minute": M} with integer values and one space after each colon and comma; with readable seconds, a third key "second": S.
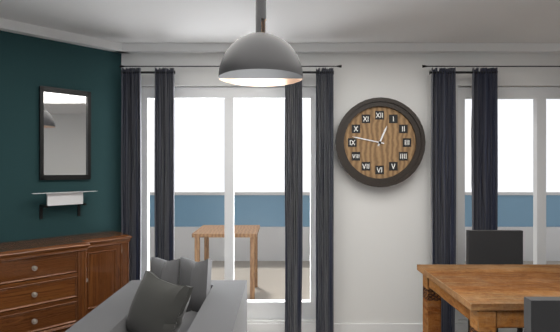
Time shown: {"hour": 12, "minute": 47}
